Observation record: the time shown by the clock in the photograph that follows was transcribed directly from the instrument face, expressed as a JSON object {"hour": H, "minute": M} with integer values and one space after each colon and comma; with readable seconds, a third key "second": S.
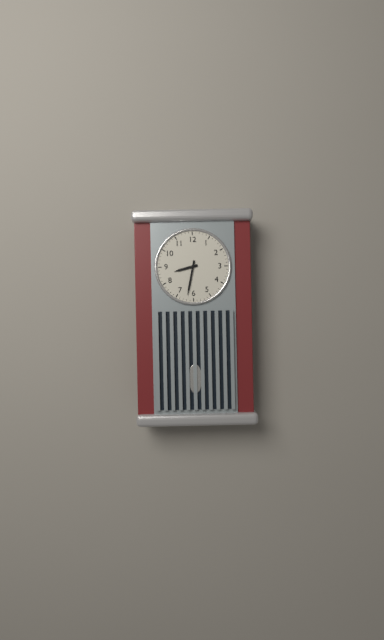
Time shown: {"hour": 8, "minute": 32}
